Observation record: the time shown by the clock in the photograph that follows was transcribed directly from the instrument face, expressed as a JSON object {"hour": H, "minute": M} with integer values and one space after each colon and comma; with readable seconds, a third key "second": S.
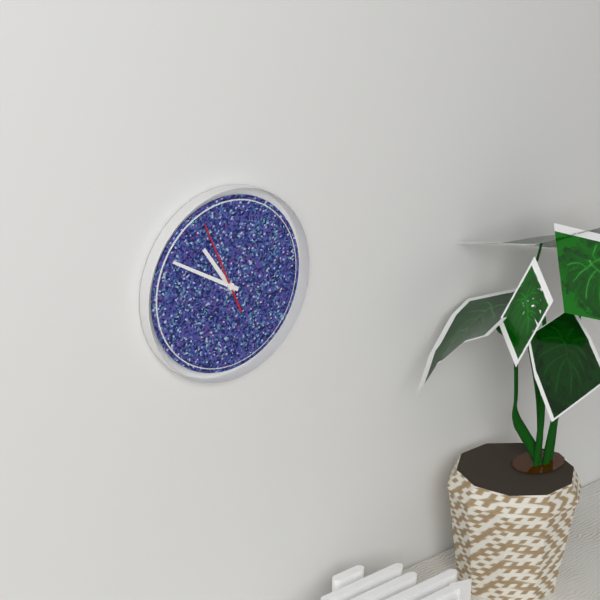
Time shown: {"hour": 10, "minute": 50, "second": 56}
